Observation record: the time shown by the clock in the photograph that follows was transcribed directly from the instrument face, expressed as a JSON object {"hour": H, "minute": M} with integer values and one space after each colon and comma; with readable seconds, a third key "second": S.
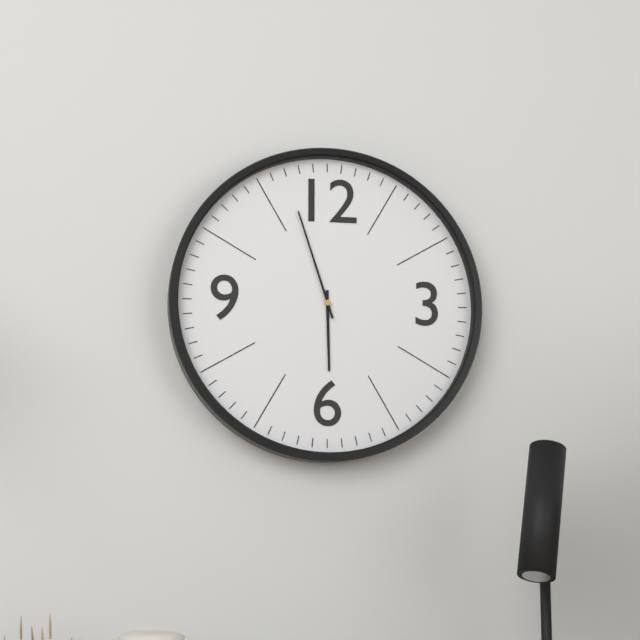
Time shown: {"hour": 5, "minute": 57}
